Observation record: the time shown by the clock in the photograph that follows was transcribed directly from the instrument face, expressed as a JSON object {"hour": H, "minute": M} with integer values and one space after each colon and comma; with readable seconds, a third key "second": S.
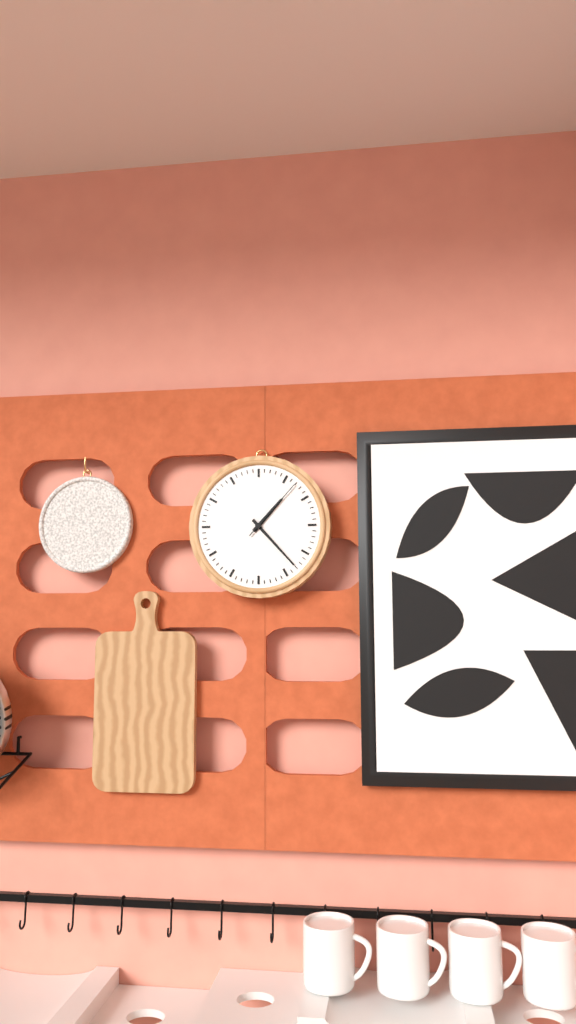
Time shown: {"hour": 1, "minute": 23, "second": 7}
